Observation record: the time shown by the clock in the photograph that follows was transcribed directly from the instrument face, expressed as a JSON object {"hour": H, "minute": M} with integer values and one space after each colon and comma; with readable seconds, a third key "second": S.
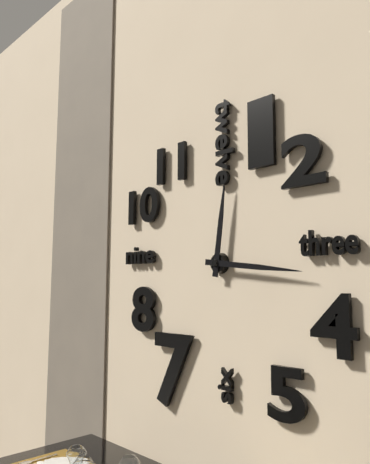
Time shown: {"hour": 12, "minute": 16}
